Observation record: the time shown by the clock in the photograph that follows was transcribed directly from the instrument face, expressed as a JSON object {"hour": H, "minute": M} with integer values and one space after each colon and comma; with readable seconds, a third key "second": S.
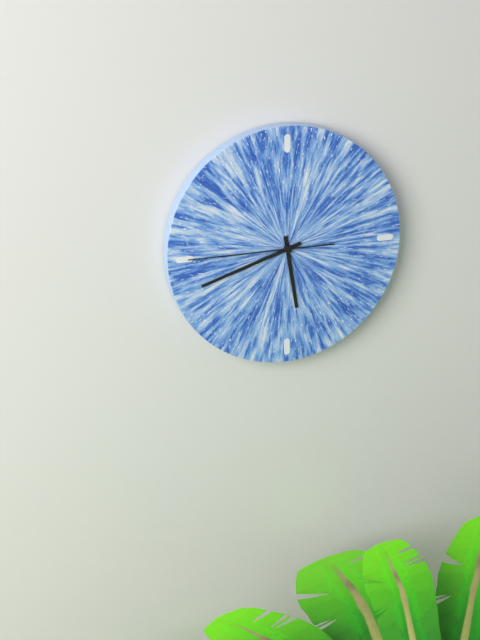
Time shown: {"hour": 5, "minute": 42, "second": 45}
